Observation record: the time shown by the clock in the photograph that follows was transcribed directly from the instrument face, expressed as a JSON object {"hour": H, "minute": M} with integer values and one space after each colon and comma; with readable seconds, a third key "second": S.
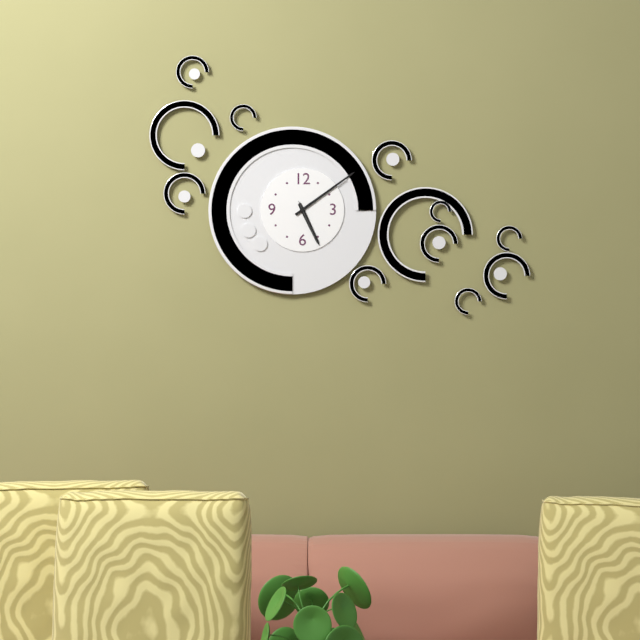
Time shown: {"hour": 5, "minute": 9}
